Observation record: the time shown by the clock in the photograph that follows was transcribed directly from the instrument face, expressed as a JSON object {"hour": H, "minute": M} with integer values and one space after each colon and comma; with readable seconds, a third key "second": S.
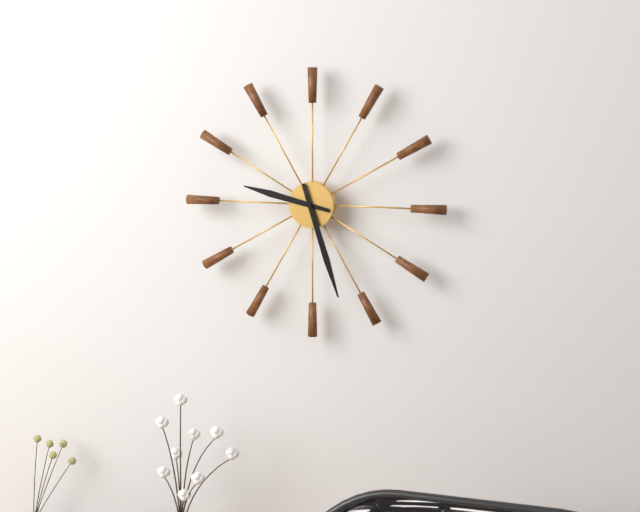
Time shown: {"hour": 9, "minute": 27}
